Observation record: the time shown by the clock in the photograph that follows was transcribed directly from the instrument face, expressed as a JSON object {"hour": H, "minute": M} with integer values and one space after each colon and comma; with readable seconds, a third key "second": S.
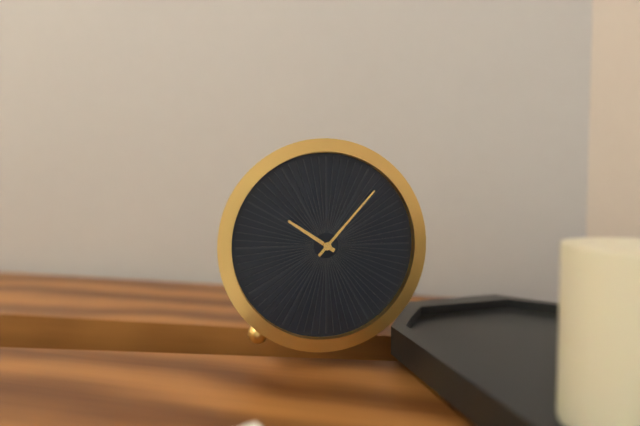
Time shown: {"hour": 10, "minute": 7}
